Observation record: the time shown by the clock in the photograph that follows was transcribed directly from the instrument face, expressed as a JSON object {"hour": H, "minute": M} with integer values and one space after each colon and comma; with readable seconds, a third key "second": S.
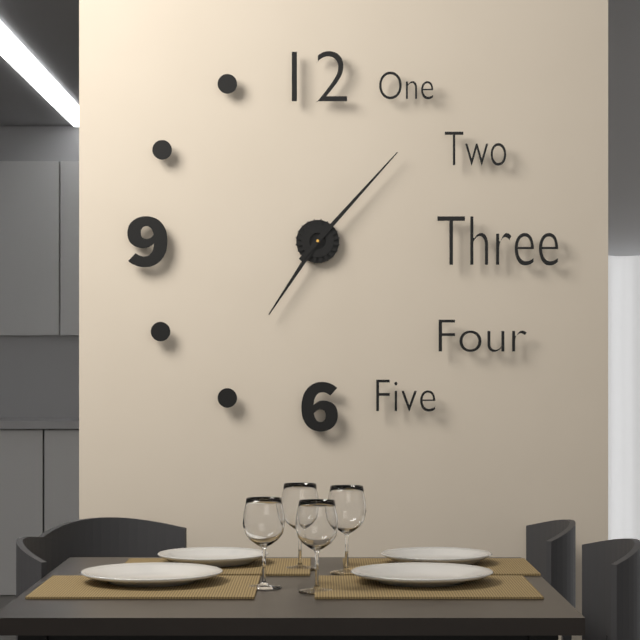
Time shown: {"hour": 7, "minute": 7}
